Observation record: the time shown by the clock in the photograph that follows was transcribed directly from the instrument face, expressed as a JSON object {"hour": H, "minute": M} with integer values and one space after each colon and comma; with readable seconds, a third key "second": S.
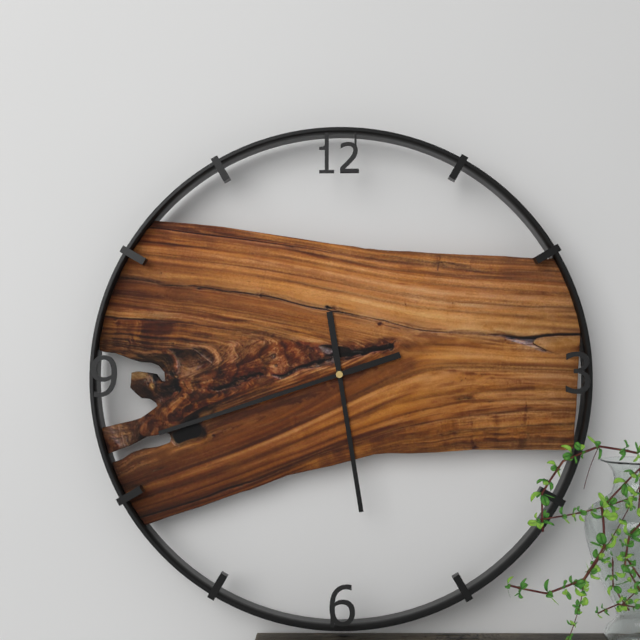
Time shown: {"hour": 5, "minute": 42}
